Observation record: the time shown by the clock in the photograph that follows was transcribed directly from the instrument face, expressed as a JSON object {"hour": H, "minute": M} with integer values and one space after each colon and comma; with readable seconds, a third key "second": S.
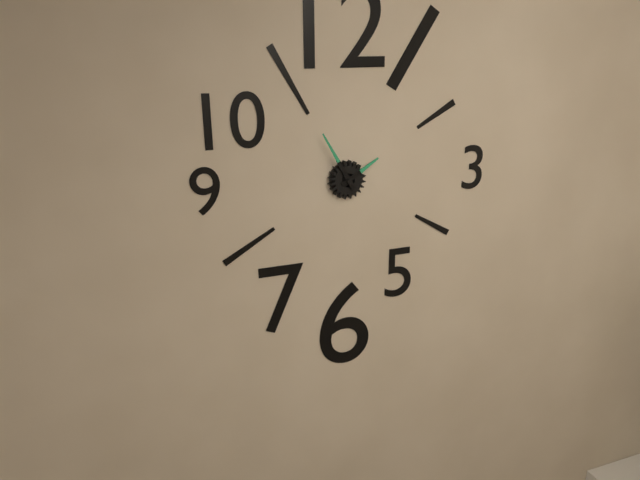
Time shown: {"hour": 1, "minute": 55}
